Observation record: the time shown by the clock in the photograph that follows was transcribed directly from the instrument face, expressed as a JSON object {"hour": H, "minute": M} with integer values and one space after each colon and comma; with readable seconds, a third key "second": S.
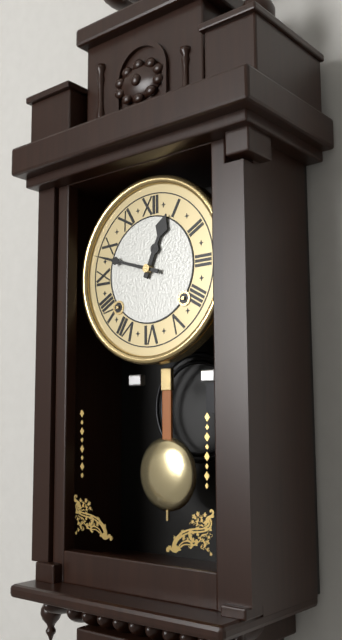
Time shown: {"hour": 12, "minute": 48}
